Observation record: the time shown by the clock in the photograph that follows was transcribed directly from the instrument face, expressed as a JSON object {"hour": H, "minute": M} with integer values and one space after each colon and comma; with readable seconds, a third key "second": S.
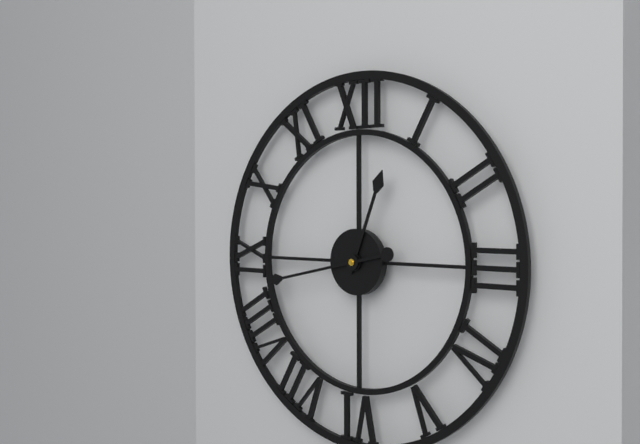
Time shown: {"hour": 12, "minute": 43}
